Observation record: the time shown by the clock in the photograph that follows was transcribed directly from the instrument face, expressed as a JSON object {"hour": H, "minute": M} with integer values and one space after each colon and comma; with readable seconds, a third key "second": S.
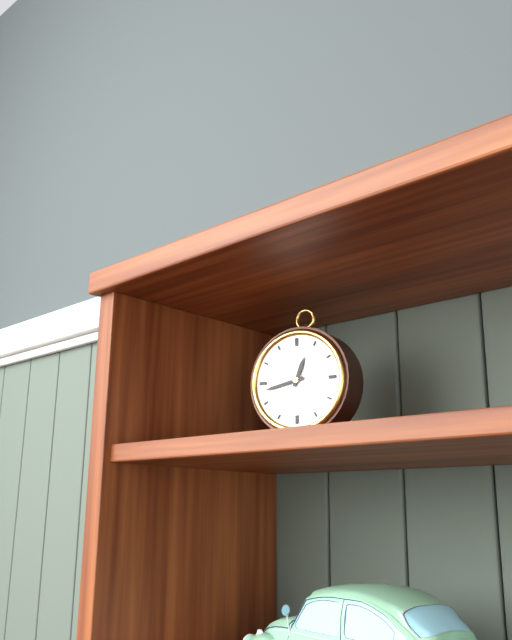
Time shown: {"hour": 12, "minute": 43}
